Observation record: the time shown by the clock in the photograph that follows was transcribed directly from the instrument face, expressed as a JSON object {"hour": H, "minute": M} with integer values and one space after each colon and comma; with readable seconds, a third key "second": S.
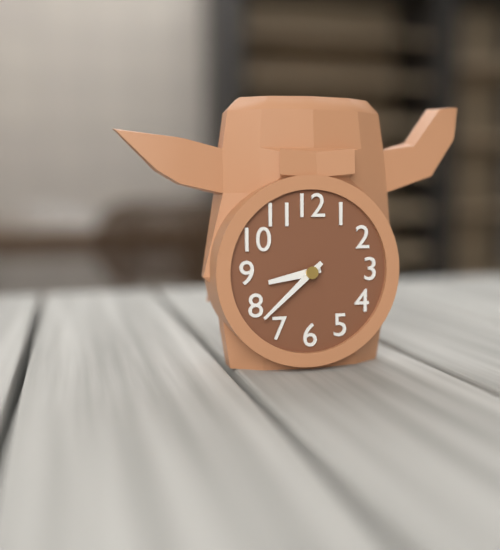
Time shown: {"hour": 8, "minute": 38}
